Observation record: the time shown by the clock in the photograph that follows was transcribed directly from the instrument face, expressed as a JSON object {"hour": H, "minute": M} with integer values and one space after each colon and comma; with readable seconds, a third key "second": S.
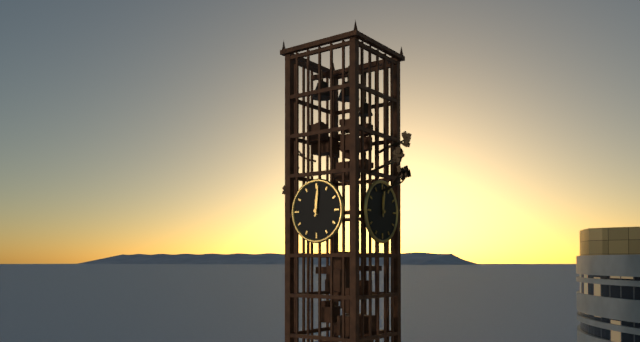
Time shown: {"hour": 12, "minute": 1}
